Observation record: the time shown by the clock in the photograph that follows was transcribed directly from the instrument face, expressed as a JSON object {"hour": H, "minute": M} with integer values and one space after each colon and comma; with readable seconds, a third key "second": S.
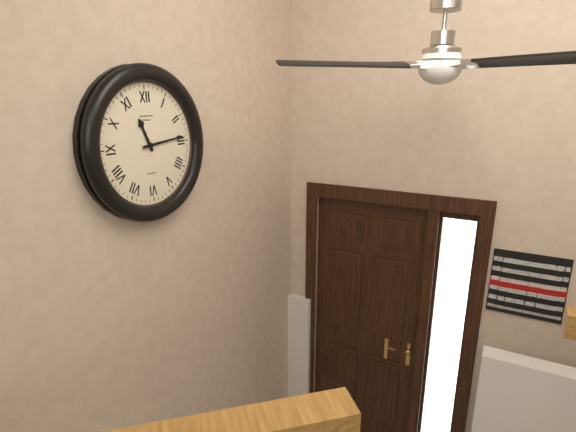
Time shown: {"hour": 11, "minute": 14}
